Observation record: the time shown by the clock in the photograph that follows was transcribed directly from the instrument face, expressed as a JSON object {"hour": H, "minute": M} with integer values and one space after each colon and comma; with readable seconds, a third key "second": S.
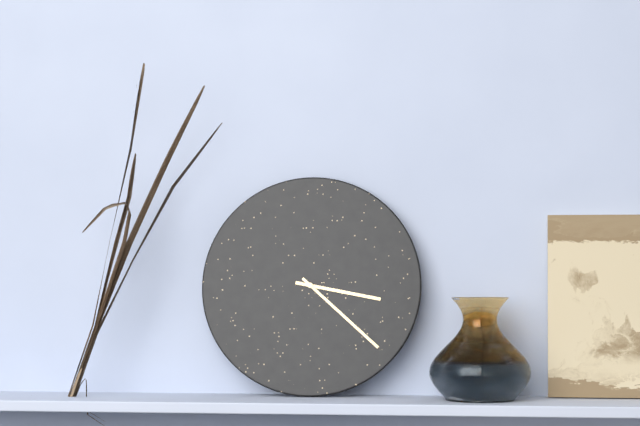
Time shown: {"hour": 3, "minute": 22}
